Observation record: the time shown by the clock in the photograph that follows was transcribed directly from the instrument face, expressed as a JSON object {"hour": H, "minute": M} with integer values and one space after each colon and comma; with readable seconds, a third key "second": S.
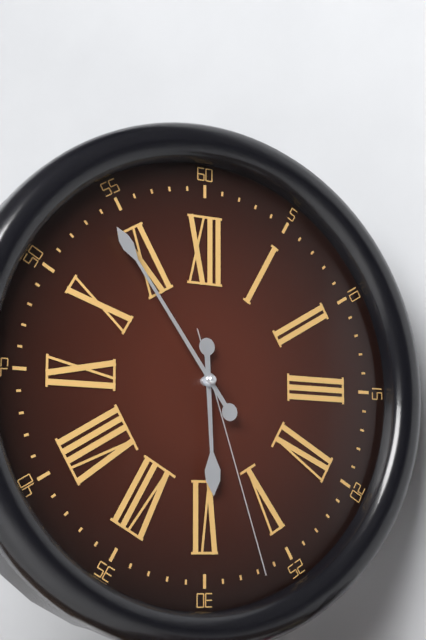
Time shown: {"hour": 5, "minute": 54, "second": 27}
